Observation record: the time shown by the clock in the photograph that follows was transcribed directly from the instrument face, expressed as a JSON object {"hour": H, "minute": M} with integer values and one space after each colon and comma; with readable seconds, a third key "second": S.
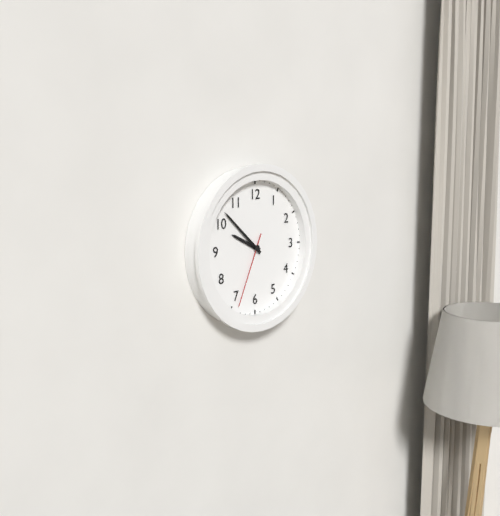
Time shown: {"hour": 9, "minute": 52, "second": 34}
